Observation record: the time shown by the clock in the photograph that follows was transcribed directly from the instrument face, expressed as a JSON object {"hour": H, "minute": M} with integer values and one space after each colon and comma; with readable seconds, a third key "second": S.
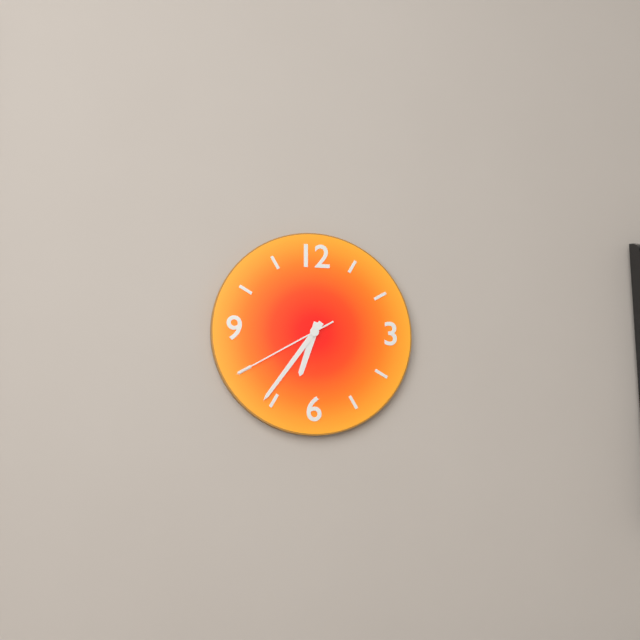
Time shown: {"hour": 6, "minute": 36, "second": 40}
